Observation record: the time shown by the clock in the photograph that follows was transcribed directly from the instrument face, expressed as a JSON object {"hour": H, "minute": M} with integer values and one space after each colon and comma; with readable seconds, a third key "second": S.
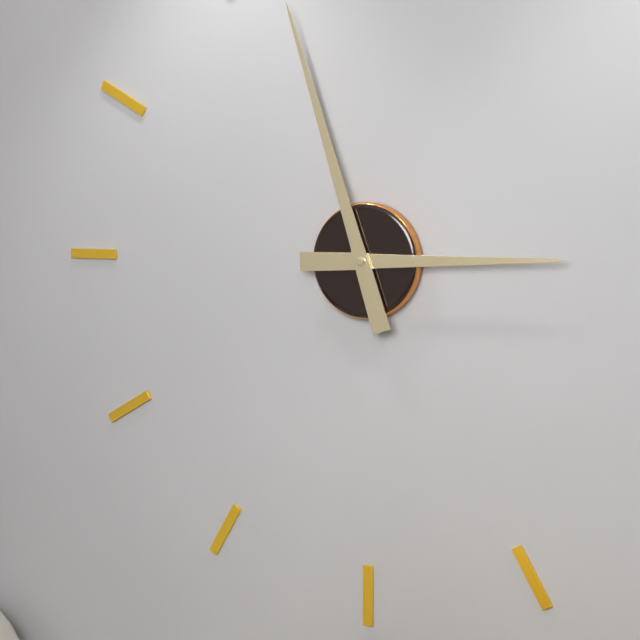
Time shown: {"hour": 2, "minute": 57}
